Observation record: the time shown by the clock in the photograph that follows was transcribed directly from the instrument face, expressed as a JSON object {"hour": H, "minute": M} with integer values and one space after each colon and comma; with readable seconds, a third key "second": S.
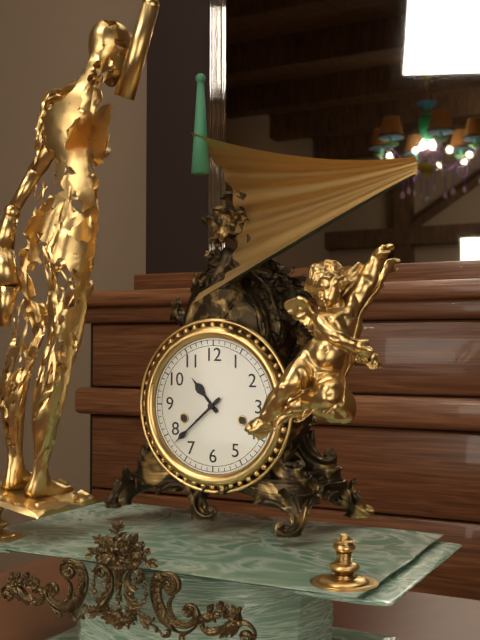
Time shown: {"hour": 10, "minute": 38}
